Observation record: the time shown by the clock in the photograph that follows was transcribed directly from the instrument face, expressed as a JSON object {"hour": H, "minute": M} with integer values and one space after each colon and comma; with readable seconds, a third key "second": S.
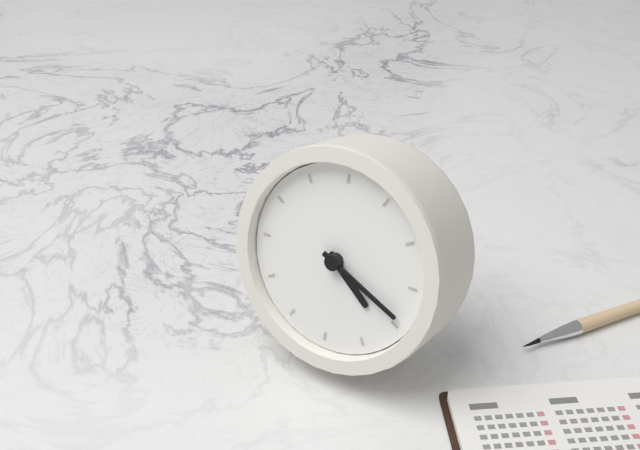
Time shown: {"hour": 4, "minute": 19}
